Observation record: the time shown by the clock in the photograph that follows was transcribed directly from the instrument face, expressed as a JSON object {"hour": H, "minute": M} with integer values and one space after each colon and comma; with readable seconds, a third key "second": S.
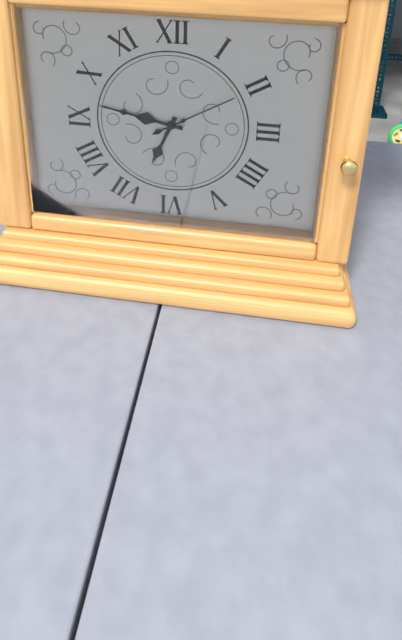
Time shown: {"hour": 6, "minute": 47, "second": 10}
